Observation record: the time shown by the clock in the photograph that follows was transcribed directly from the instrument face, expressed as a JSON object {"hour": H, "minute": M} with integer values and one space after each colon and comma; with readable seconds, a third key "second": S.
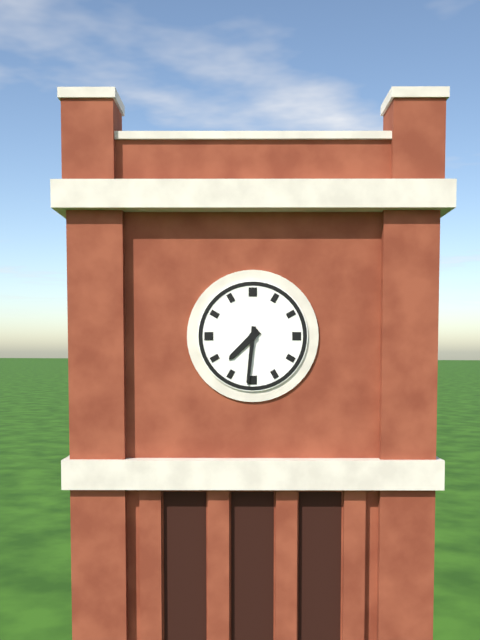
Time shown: {"hour": 7, "minute": 31}
